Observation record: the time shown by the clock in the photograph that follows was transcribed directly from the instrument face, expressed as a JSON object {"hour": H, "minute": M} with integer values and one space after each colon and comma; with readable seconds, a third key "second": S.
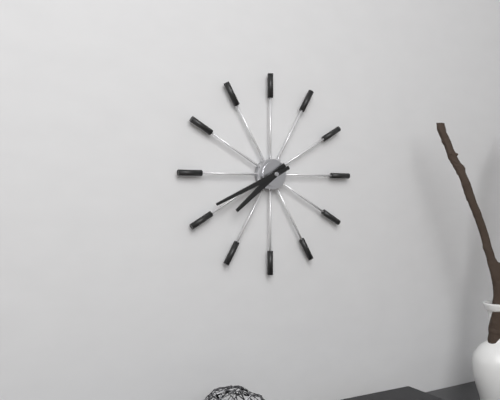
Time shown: {"hour": 7, "minute": 41}
